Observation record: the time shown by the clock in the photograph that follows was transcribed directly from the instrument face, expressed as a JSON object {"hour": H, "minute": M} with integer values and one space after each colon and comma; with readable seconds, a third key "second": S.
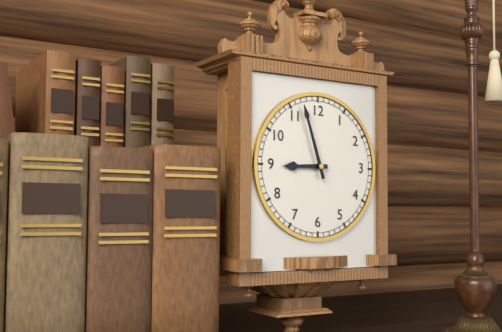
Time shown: {"hour": 8, "minute": 57}
